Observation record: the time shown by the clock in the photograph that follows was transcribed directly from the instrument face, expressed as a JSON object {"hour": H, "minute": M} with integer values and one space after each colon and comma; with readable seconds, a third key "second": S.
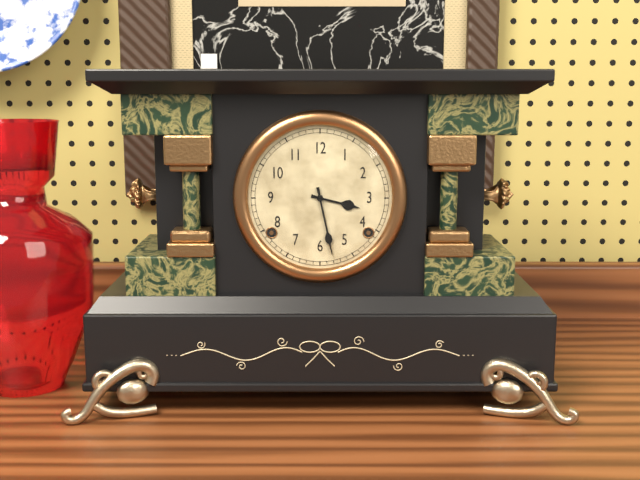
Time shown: {"hour": 3, "minute": 28}
